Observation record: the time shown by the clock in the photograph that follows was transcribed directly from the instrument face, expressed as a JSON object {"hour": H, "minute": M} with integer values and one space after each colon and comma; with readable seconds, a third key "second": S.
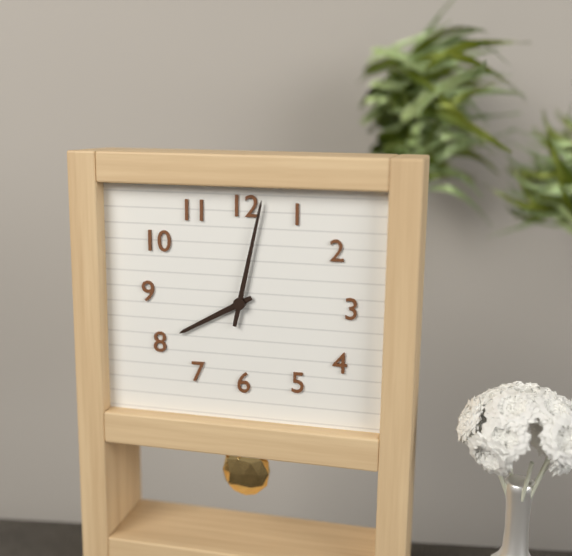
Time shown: {"hour": 8, "minute": 2}
